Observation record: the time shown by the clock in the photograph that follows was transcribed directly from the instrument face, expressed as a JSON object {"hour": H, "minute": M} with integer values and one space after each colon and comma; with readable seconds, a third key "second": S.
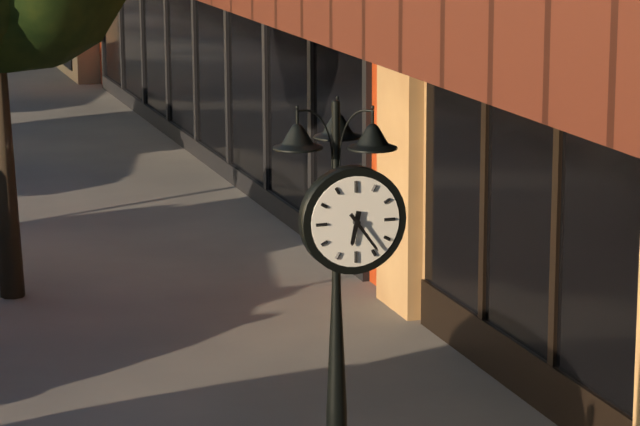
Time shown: {"hour": 6, "minute": 24}
